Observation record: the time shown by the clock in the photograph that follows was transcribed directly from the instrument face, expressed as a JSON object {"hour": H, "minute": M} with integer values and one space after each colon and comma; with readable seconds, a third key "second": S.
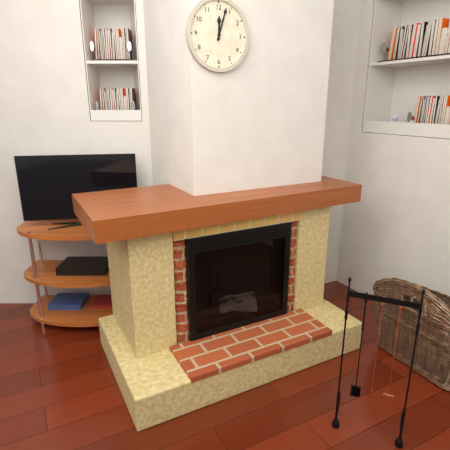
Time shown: {"hour": 12, "minute": 3}
